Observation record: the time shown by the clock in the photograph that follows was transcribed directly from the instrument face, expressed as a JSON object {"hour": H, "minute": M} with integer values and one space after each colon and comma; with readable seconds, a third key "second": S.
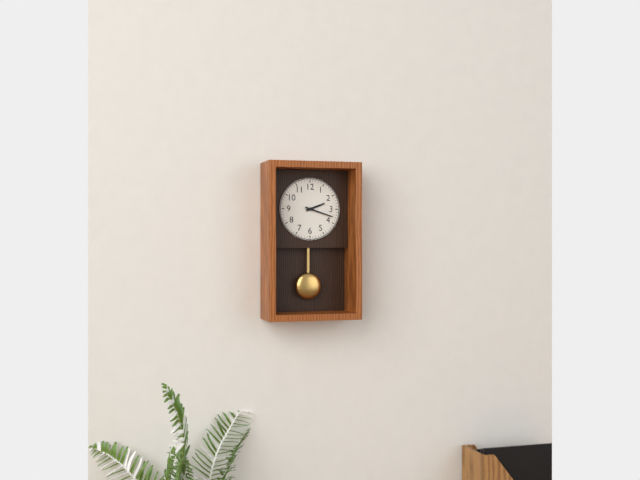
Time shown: {"hour": 2, "minute": 18}
